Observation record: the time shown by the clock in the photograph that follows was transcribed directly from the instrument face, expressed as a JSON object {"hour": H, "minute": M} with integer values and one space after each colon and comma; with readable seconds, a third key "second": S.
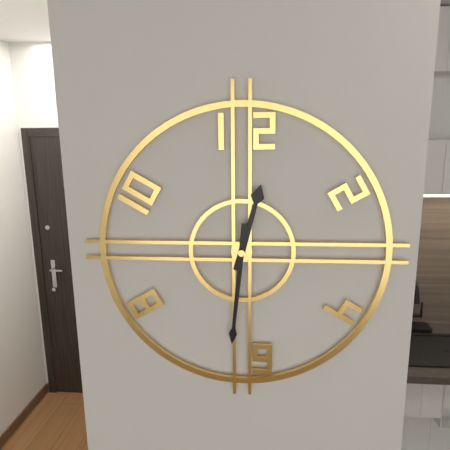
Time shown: {"hour": 12, "minute": 31}
